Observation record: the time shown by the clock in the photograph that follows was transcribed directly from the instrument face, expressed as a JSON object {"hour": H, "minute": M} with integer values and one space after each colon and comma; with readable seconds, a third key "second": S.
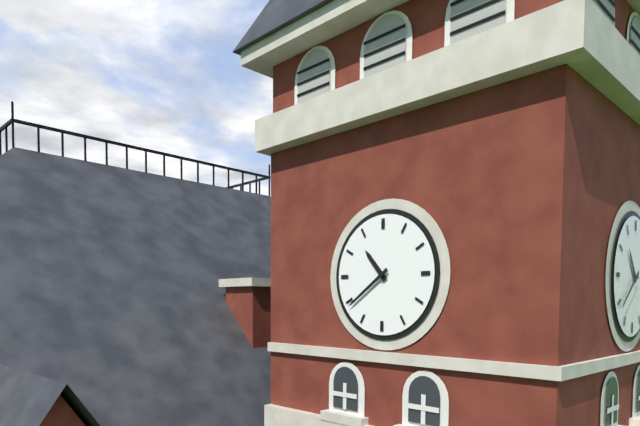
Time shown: {"hour": 10, "minute": 39}
